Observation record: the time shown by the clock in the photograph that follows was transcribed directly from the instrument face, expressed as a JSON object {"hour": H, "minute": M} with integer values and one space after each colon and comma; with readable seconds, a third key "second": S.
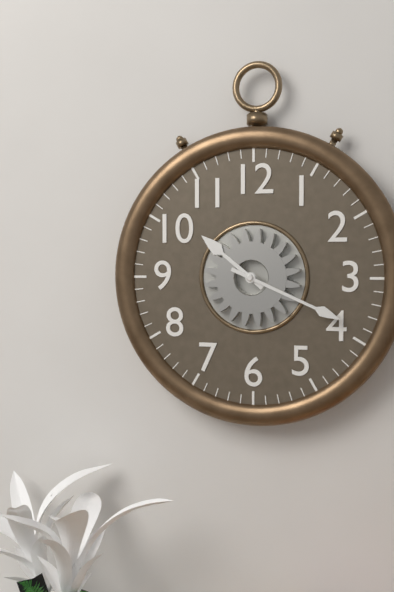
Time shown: {"hour": 10, "minute": 19}
